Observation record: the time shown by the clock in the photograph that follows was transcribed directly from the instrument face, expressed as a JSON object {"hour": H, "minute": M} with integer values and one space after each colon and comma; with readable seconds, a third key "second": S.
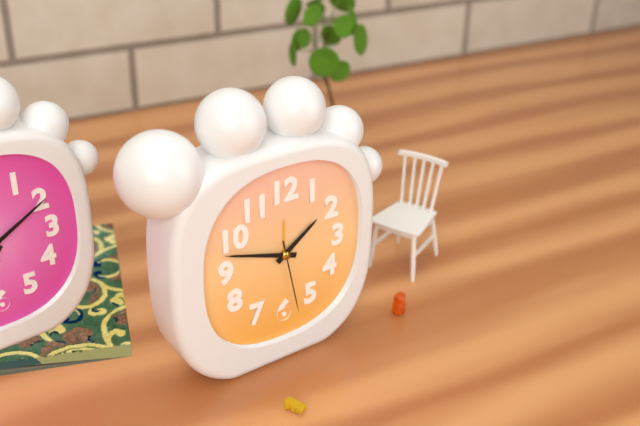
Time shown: {"hour": 1, "minute": 48, "second": 28}
